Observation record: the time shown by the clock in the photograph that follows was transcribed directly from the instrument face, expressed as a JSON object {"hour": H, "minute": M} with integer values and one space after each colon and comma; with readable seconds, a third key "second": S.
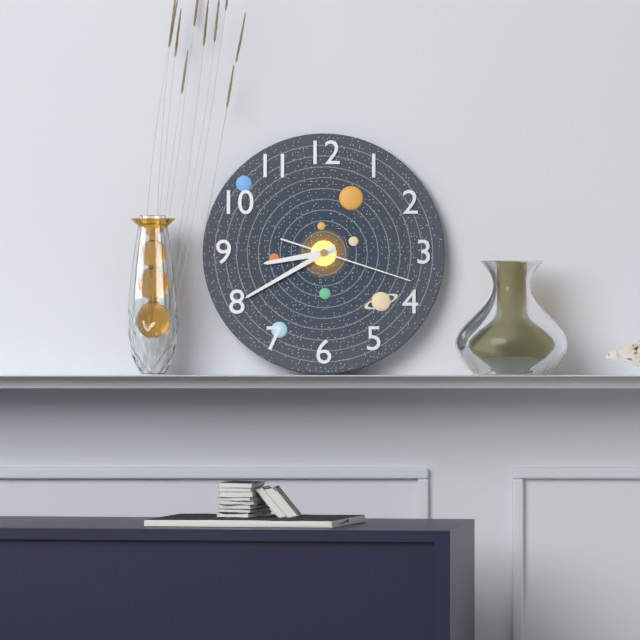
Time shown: {"hour": 8, "minute": 40, "second": 18}
